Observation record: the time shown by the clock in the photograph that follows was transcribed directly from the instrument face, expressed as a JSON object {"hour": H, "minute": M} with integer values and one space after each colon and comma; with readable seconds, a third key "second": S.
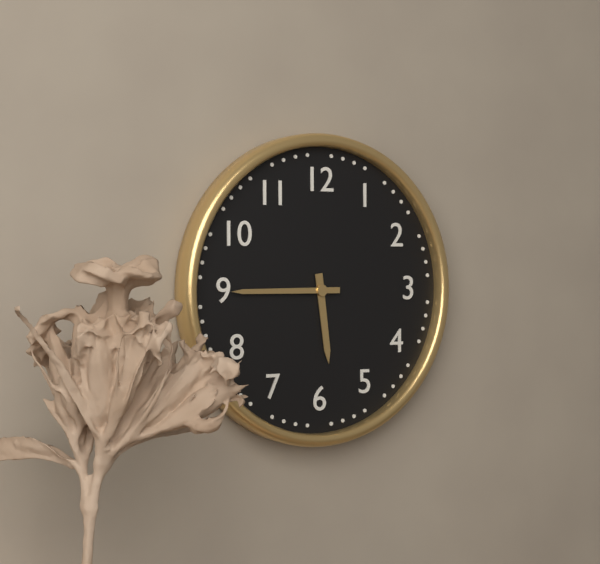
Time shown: {"hour": 5, "minute": 45}
